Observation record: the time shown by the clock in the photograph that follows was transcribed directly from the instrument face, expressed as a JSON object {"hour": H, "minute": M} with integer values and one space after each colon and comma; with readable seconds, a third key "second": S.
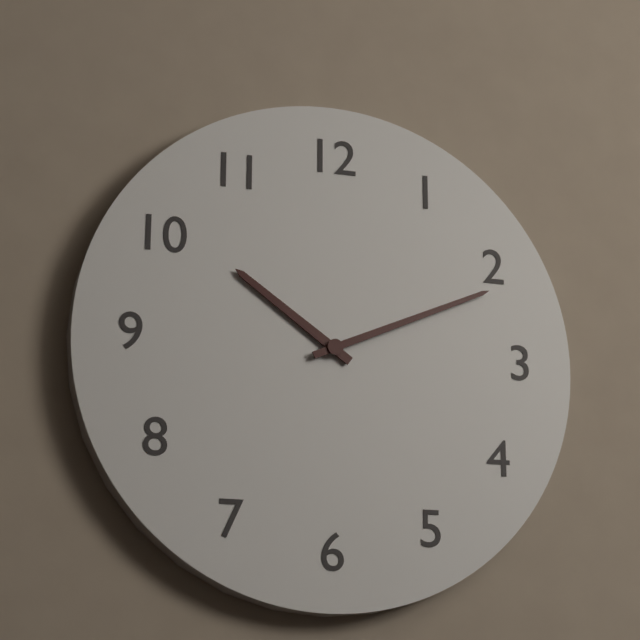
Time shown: {"hour": 10, "minute": 11}
